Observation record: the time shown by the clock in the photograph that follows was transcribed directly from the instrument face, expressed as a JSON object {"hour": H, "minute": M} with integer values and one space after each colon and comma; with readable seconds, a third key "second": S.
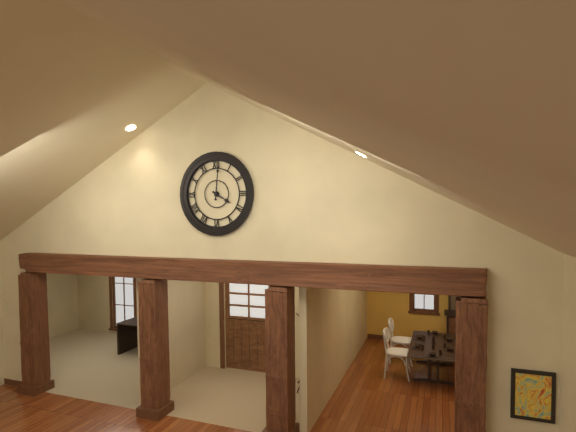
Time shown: {"hour": 4, "minute": 1}
